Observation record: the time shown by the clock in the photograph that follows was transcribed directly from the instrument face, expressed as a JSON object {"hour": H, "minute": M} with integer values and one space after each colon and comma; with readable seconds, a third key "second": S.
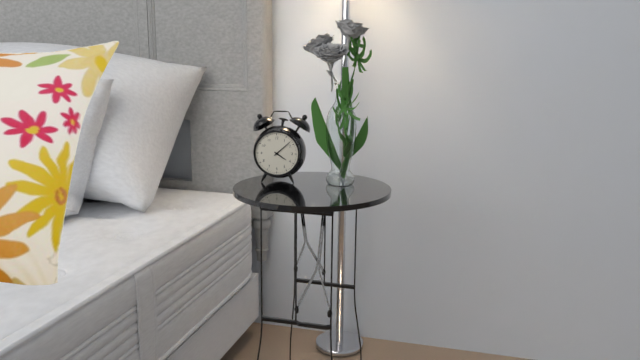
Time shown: {"hour": 4, "minute": 8}
